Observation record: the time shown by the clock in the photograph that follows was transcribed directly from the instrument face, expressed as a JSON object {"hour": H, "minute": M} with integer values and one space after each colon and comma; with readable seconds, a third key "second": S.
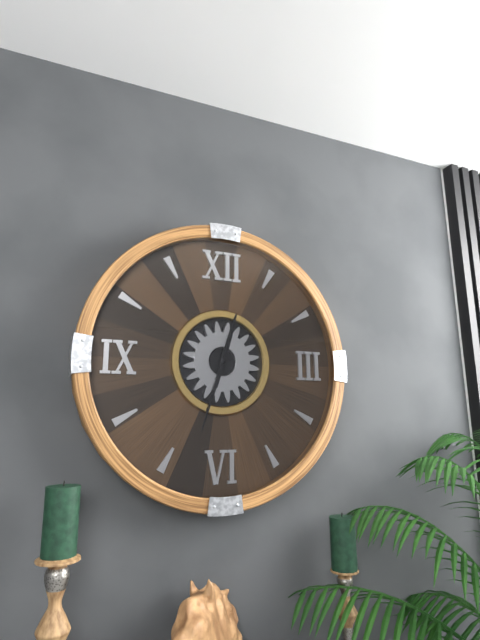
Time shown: {"hour": 12, "minute": 33}
